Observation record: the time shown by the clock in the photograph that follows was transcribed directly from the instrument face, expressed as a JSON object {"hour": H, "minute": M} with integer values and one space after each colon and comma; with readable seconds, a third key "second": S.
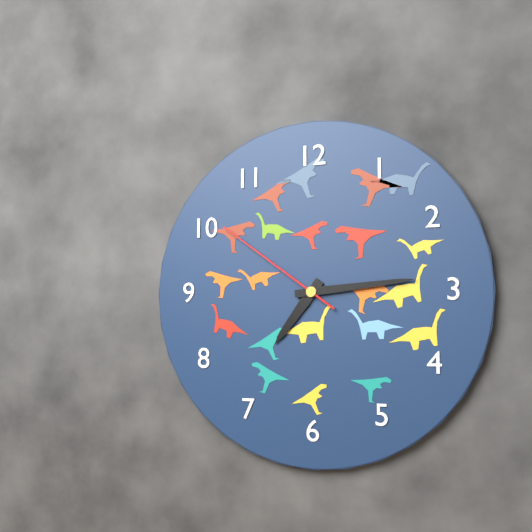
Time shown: {"hour": 7, "minute": 14, "second": 51}
